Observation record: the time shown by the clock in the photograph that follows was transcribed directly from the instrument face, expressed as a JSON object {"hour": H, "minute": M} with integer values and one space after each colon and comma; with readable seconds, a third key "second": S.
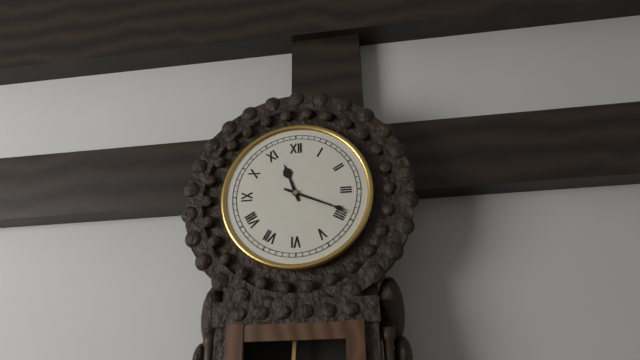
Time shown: {"hour": 11, "minute": 19}
